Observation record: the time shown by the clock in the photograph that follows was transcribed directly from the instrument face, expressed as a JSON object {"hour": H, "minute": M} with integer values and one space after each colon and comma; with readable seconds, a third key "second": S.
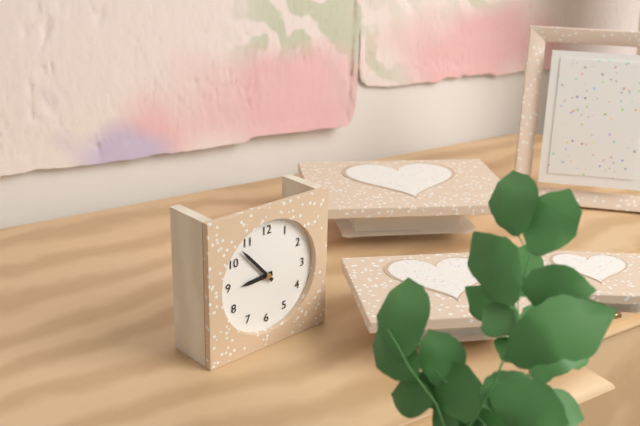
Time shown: {"hour": 8, "minute": 53}
